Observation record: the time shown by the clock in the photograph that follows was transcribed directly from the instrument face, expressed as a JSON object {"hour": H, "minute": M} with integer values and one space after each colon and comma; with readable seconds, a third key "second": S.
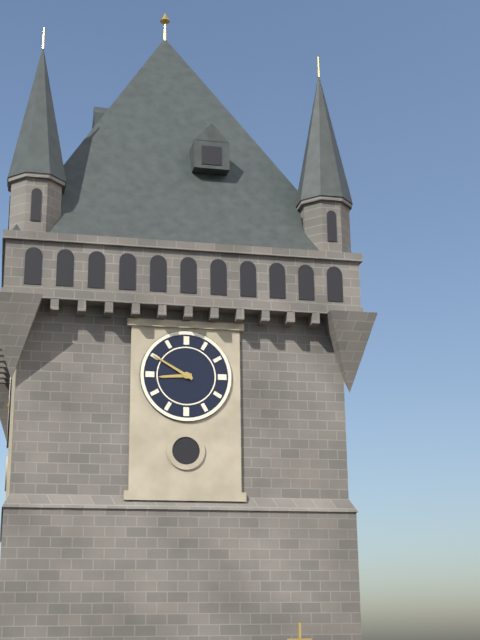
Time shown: {"hour": 8, "minute": 50}
